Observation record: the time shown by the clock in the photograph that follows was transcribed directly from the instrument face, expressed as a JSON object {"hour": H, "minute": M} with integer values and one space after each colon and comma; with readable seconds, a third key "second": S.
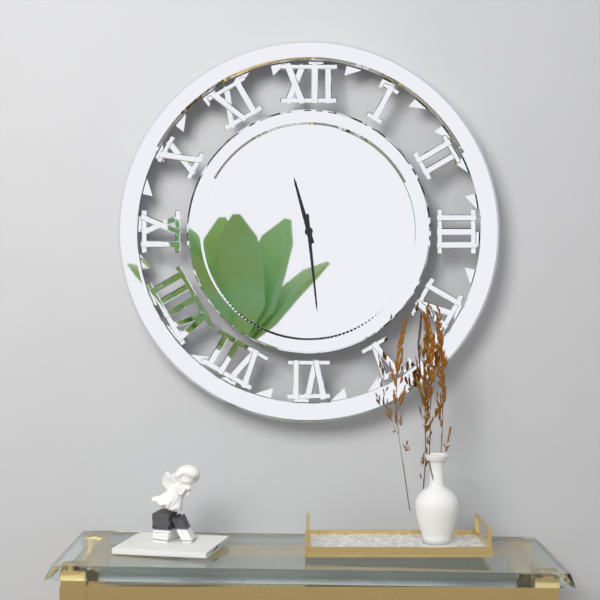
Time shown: {"hour": 11, "minute": 29}
